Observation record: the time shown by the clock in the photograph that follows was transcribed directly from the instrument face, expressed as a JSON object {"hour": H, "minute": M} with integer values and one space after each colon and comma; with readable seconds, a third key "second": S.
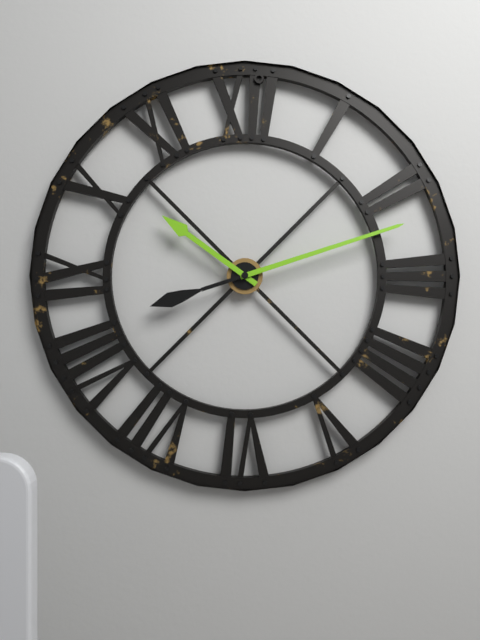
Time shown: {"hour": 10, "minute": 12}
